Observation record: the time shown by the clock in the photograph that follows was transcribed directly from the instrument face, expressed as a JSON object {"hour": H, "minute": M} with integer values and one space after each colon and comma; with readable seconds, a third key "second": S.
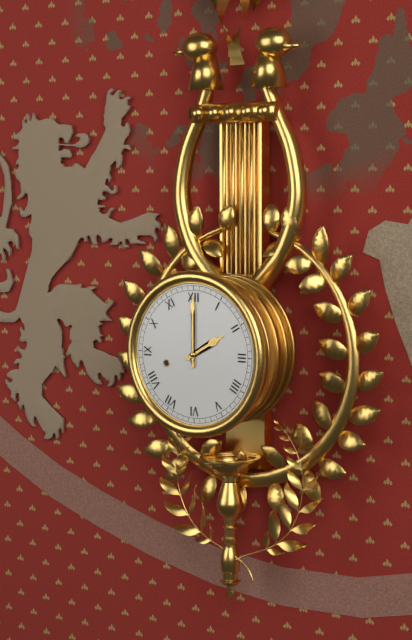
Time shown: {"hour": 2, "minute": 0}
